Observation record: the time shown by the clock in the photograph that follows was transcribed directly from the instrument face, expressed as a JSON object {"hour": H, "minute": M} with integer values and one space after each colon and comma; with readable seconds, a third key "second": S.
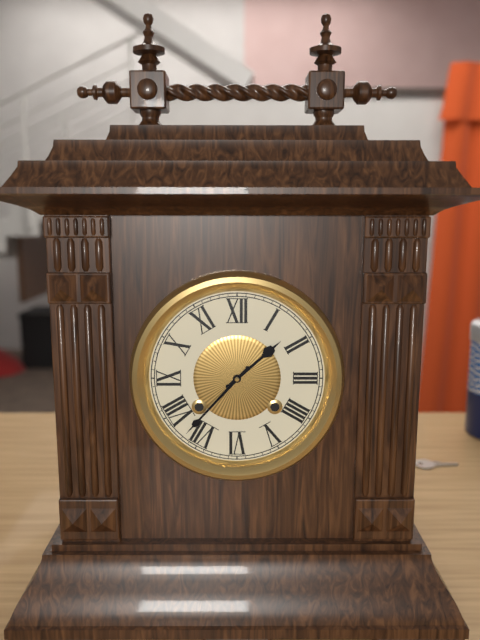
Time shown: {"hour": 1, "minute": 37}
